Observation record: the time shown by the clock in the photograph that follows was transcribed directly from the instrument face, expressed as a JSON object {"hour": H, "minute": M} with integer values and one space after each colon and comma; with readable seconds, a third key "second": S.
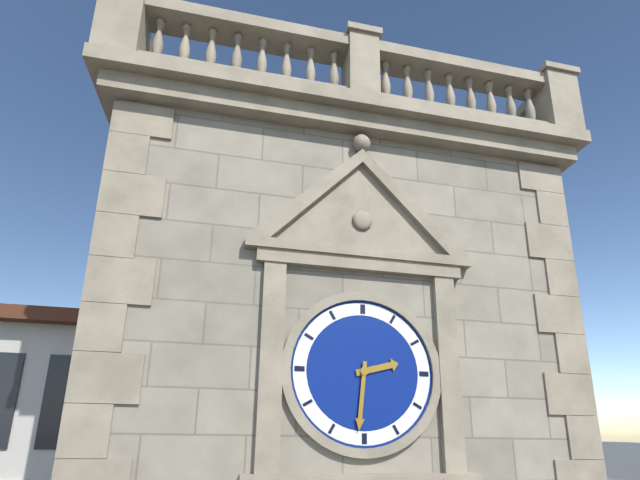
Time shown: {"hour": 2, "minute": 31}
